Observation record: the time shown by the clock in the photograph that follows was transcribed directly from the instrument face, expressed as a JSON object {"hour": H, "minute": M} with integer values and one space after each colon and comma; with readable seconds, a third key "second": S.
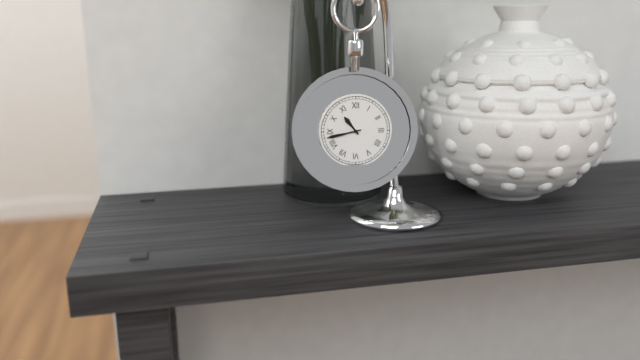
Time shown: {"hour": 10, "minute": 43}
